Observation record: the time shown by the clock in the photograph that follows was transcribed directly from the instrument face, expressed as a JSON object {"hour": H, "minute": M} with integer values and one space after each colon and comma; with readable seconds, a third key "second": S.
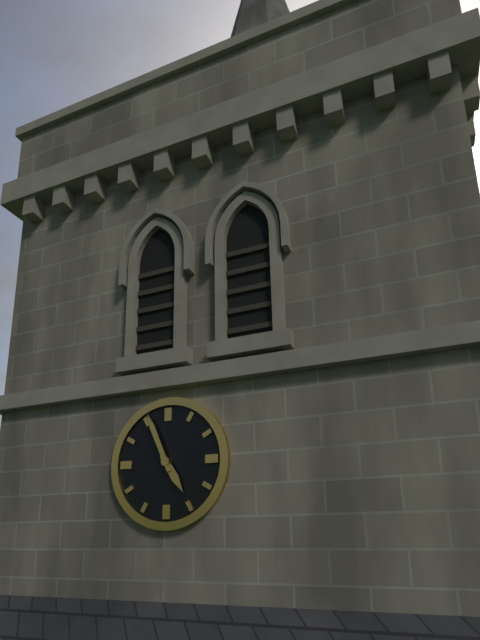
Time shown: {"hour": 4, "minute": 56}
